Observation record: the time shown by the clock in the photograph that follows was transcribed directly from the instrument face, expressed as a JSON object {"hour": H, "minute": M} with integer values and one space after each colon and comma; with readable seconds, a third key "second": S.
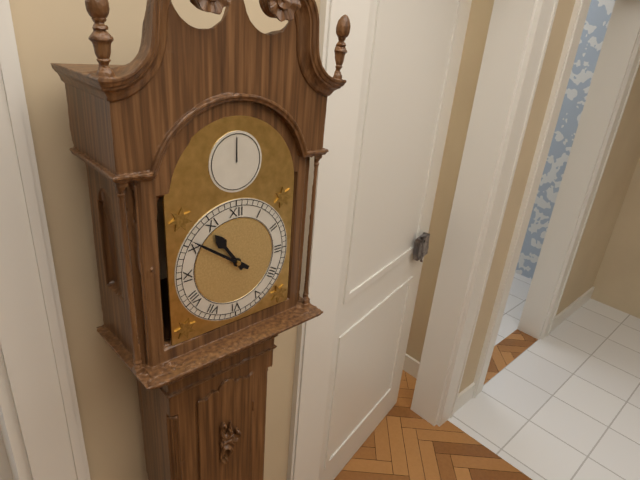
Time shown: {"hour": 10, "minute": 51}
